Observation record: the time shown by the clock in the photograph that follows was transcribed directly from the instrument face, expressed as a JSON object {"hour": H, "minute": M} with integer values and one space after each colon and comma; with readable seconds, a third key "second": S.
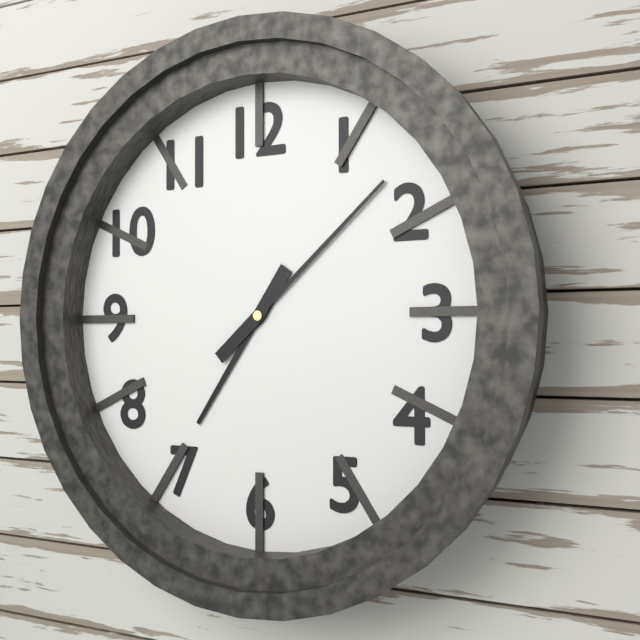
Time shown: {"hour": 7, "minute": 8}
